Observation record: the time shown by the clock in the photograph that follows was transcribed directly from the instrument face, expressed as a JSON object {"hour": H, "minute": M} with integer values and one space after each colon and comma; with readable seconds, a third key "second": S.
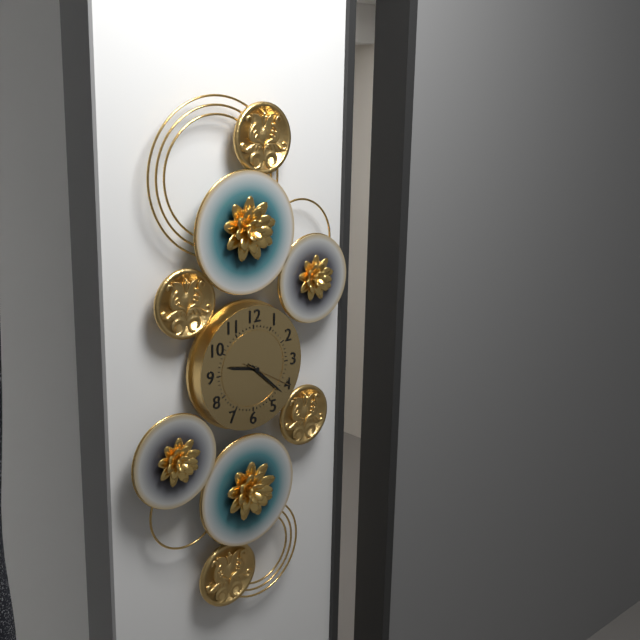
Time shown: {"hour": 9, "minute": 22}
